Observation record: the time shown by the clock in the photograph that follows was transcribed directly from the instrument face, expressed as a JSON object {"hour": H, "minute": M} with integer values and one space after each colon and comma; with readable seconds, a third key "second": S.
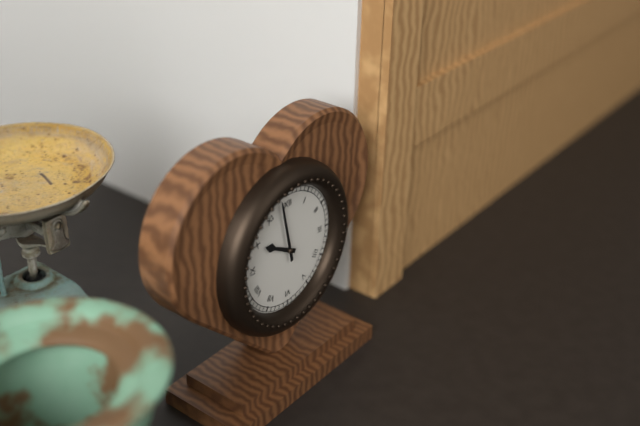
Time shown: {"hour": 9, "minute": 58}
